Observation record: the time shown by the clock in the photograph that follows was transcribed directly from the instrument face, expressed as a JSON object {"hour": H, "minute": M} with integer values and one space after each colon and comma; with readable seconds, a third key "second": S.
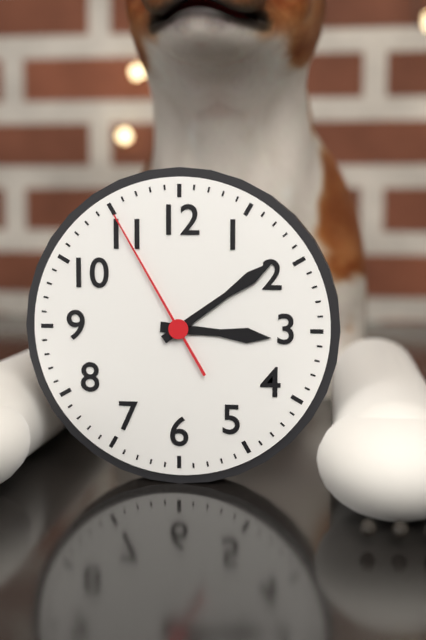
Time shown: {"hour": 3, "minute": 9, "second": 55}
